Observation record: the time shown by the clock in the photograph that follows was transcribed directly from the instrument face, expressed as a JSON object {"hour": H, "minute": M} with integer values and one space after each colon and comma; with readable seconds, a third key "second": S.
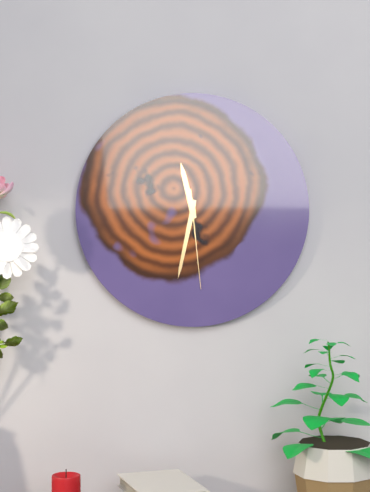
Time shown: {"hour": 11, "minute": 32, "second": 29}
